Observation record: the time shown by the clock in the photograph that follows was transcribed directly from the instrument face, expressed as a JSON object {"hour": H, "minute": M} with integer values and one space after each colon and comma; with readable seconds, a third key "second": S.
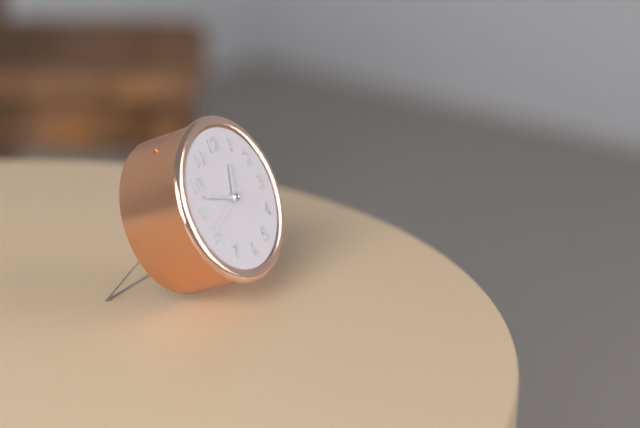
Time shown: {"hour": 12, "minute": 48, "second": 42}
